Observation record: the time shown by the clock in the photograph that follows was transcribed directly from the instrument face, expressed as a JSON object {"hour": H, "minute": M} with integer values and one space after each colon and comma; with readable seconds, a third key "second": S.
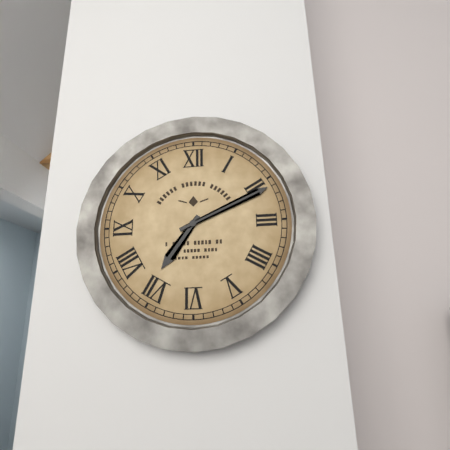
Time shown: {"hour": 7, "minute": 11}
